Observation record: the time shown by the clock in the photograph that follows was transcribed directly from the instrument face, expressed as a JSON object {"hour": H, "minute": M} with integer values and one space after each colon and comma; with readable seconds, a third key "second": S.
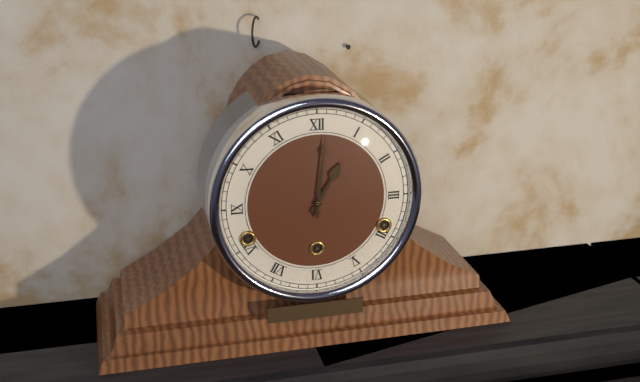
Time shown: {"hour": 1, "minute": 1}
